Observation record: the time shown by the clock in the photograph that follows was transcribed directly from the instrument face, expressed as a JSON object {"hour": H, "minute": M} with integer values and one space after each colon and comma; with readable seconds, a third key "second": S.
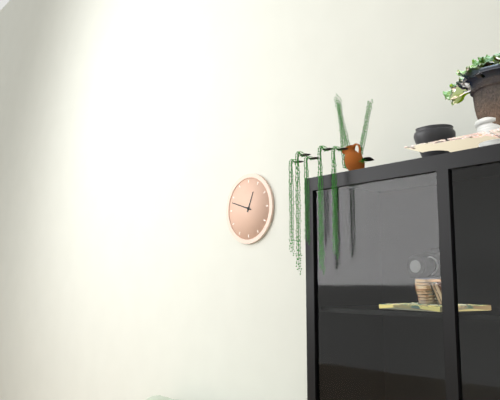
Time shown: {"hour": 12, "minute": 48}
